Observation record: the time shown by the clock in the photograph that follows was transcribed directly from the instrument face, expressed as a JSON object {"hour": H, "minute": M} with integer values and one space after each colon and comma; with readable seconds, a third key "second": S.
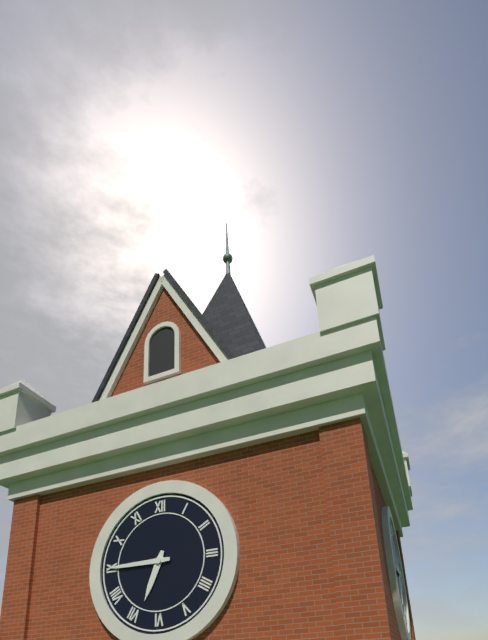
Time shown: {"hour": 6, "minute": 45}
